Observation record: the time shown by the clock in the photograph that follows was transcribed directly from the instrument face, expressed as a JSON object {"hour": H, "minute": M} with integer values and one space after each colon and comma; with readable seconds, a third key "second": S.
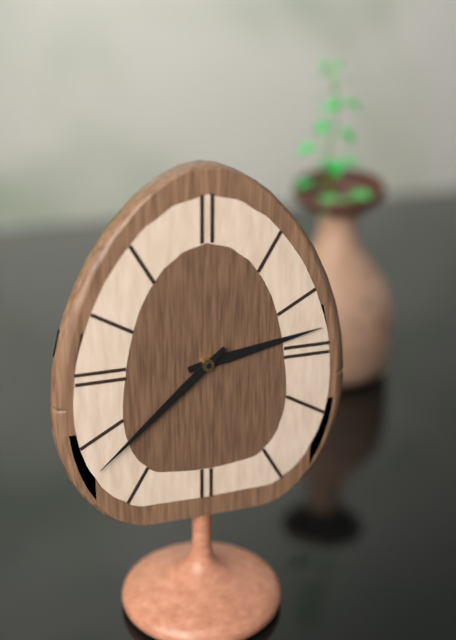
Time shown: {"hour": 2, "minute": 38}
